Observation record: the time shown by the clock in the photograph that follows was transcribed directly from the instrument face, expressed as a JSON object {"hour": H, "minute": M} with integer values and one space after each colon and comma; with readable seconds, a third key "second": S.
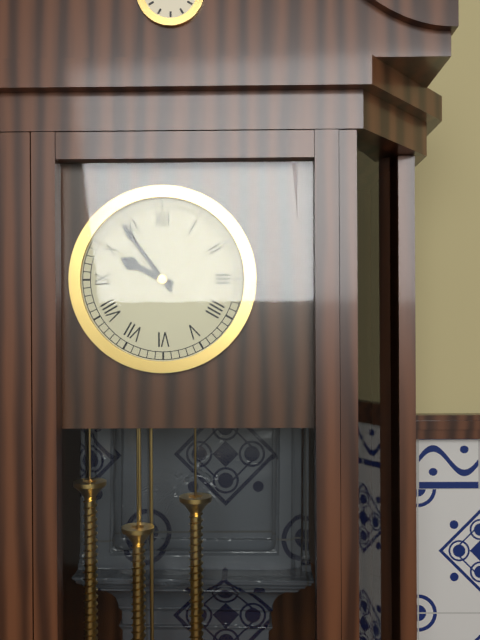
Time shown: {"hour": 9, "minute": 54}
